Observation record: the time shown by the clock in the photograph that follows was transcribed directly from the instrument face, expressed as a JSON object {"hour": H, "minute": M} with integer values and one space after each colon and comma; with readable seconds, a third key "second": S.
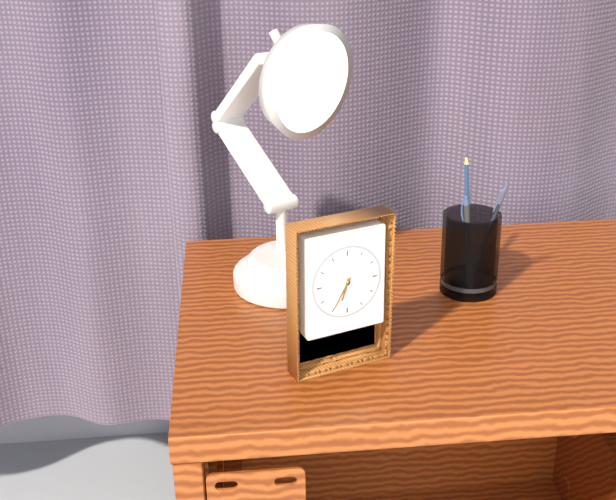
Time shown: {"hour": 6, "minute": 35}
